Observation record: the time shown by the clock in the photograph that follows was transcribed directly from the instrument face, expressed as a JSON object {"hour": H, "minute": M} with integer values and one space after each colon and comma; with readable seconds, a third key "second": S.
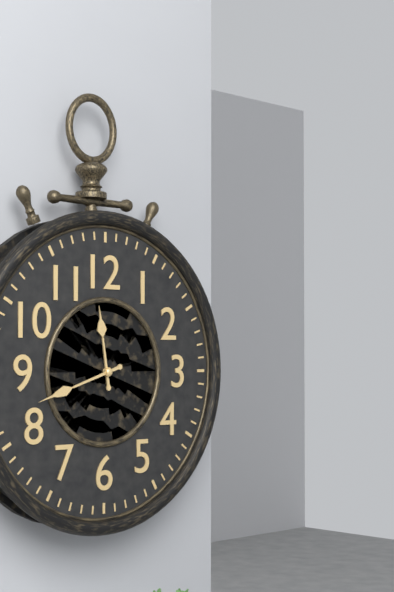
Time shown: {"hour": 11, "minute": 42}
